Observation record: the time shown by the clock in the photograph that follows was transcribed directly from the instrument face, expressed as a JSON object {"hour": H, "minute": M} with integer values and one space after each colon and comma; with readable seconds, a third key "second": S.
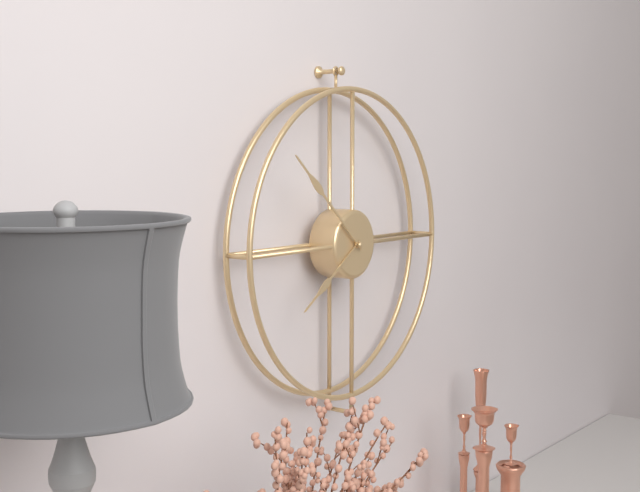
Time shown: {"hour": 7, "minute": 52}
